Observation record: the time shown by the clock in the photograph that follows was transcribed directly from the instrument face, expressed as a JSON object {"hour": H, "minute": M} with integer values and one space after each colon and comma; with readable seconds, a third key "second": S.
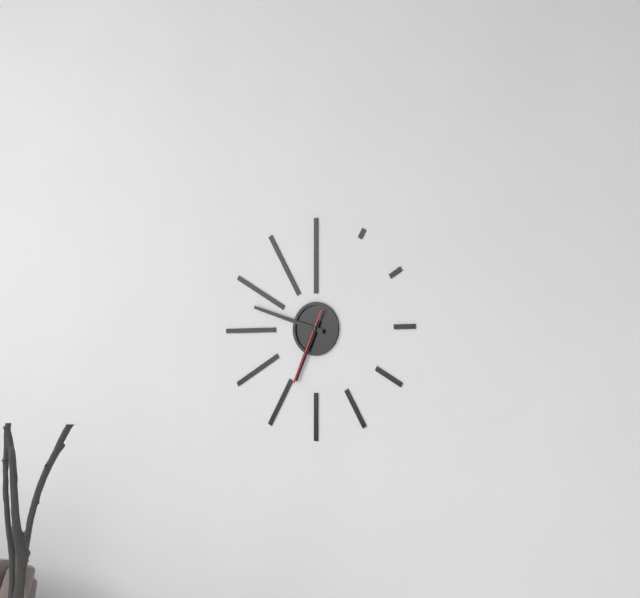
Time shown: {"hour": 6, "minute": 48, "second": 34}
